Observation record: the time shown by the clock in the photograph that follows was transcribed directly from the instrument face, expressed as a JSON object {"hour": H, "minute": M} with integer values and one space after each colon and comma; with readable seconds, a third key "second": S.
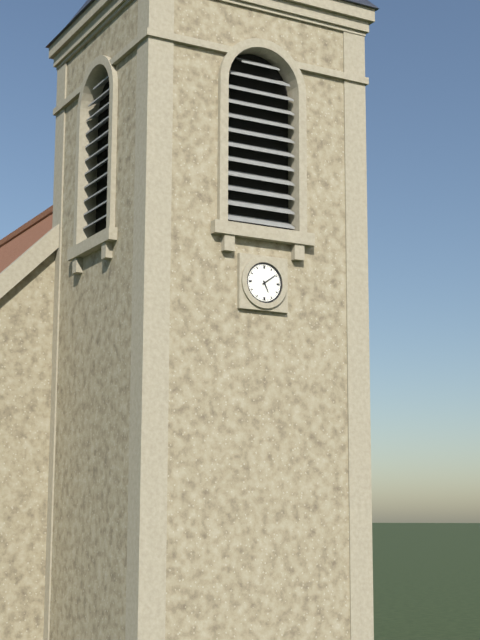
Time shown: {"hour": 5, "minute": 9}
